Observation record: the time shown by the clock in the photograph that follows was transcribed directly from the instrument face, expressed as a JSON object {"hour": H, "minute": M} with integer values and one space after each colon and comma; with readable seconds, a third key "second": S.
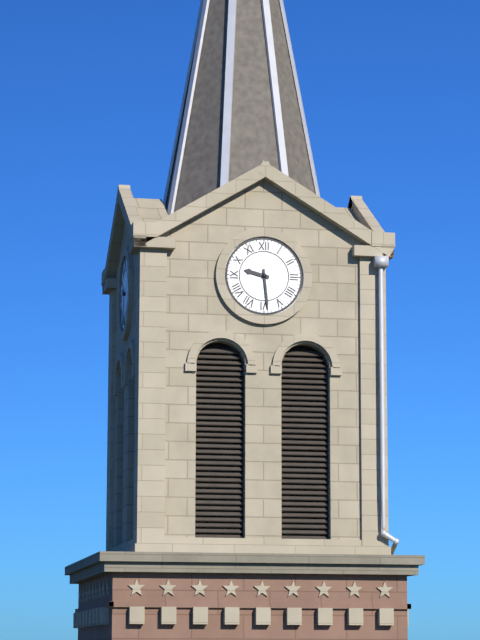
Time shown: {"hour": 9, "minute": 29}
